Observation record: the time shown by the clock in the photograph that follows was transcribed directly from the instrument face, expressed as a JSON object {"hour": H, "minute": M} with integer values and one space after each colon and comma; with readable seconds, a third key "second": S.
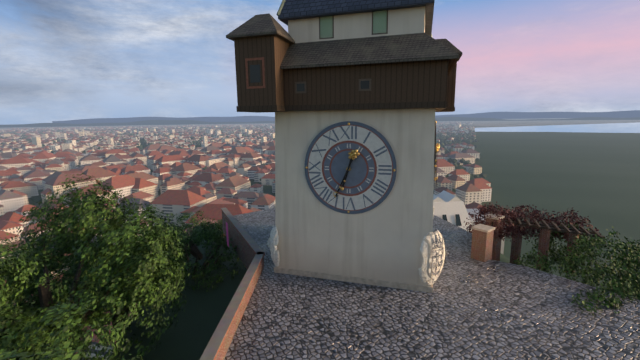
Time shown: {"hour": 6, "minute": 34}
